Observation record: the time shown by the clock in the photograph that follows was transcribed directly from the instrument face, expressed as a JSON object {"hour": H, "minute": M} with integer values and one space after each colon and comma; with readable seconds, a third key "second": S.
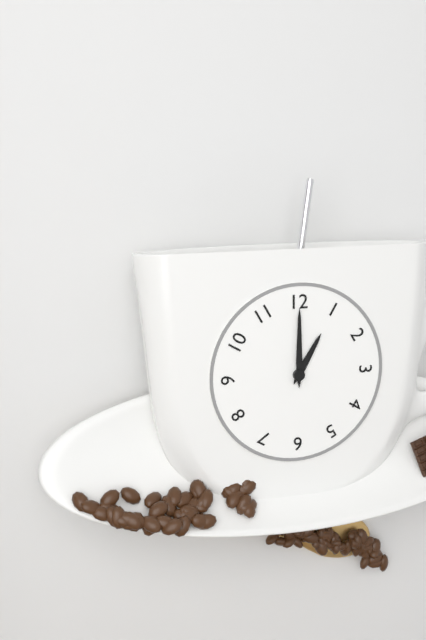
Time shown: {"hour": 1, "minute": 0}
